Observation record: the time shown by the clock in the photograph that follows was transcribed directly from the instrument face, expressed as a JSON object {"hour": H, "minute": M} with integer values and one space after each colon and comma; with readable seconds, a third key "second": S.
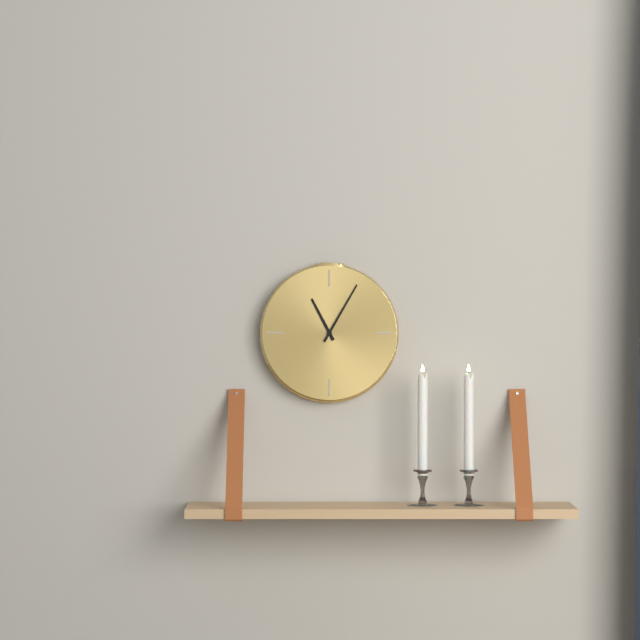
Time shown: {"hour": 11, "minute": 5}
